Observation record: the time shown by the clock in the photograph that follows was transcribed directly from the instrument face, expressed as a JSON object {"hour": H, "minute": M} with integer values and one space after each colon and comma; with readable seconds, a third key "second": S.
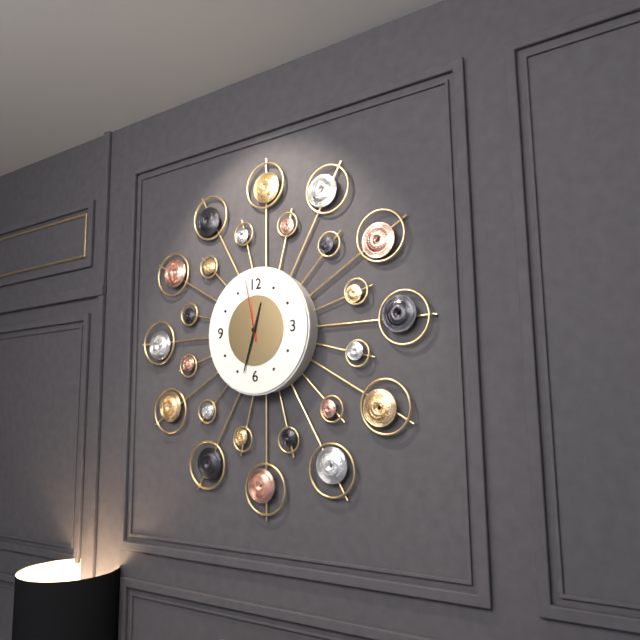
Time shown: {"hour": 12, "minute": 33, "second": 58}
